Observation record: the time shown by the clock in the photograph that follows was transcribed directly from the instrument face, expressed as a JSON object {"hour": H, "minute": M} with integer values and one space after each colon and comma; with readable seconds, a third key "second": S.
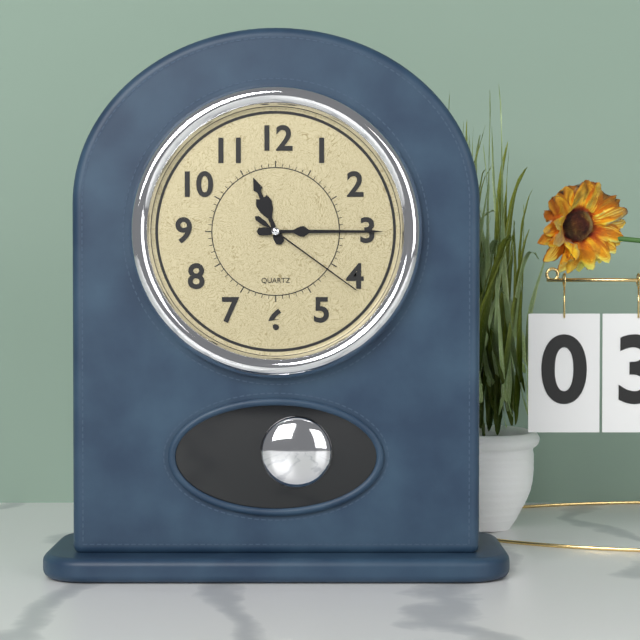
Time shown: {"hour": 11, "minute": 15, "second": 21}
